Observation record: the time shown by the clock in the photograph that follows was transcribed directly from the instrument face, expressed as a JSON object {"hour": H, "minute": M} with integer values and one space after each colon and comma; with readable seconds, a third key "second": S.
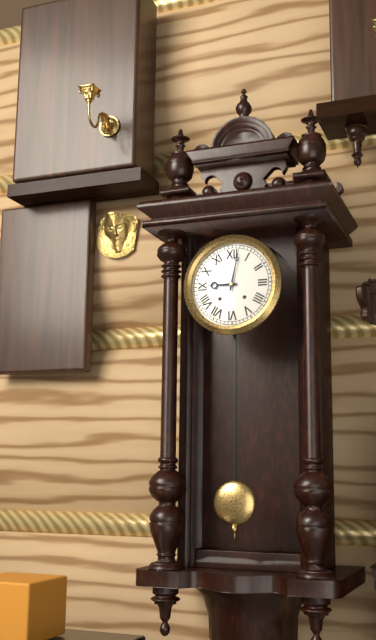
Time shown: {"hour": 9, "minute": 2}
